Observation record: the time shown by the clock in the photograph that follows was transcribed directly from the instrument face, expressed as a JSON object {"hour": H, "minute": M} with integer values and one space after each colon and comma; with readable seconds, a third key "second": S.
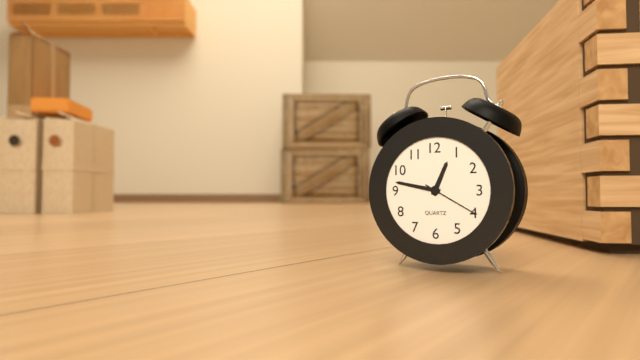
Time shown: {"hour": 12, "minute": 47, "second": 20}
